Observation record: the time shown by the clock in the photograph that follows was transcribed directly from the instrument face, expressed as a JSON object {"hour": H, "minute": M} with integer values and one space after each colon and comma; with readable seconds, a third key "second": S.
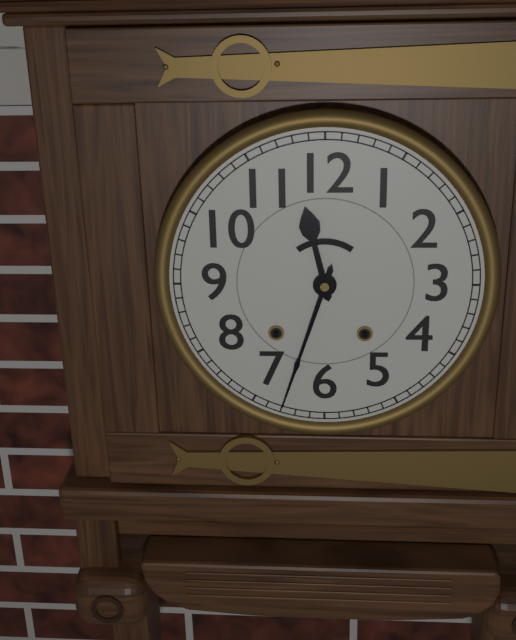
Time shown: {"hour": 11, "minute": 33}
